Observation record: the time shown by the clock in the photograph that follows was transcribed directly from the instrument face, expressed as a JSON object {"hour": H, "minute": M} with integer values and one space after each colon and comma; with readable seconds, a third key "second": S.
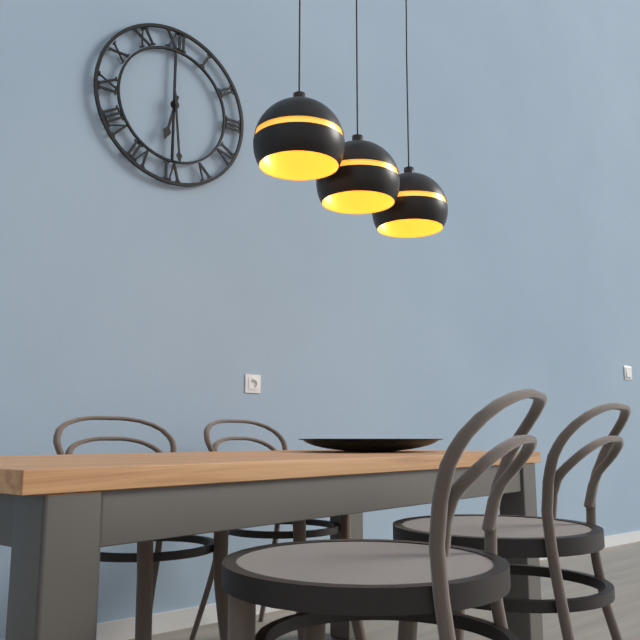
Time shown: {"hour": 6, "minute": 29}
